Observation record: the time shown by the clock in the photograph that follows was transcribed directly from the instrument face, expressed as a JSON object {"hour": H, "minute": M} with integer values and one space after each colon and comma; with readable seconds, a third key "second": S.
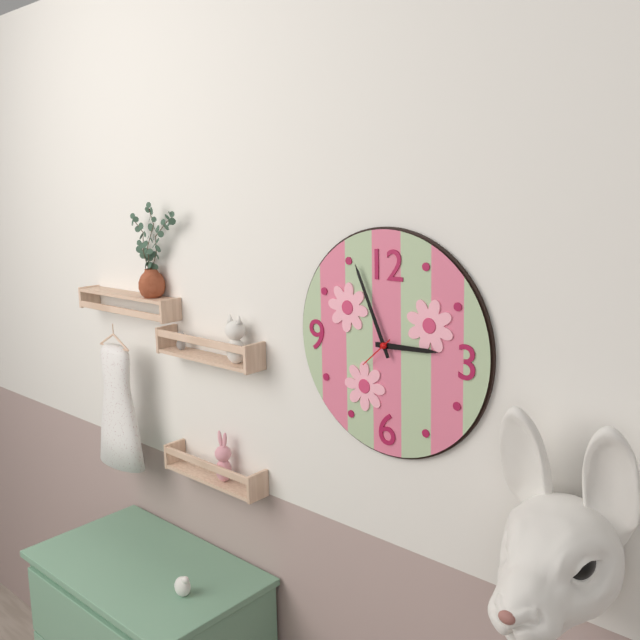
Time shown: {"hour": 2, "minute": 56}
